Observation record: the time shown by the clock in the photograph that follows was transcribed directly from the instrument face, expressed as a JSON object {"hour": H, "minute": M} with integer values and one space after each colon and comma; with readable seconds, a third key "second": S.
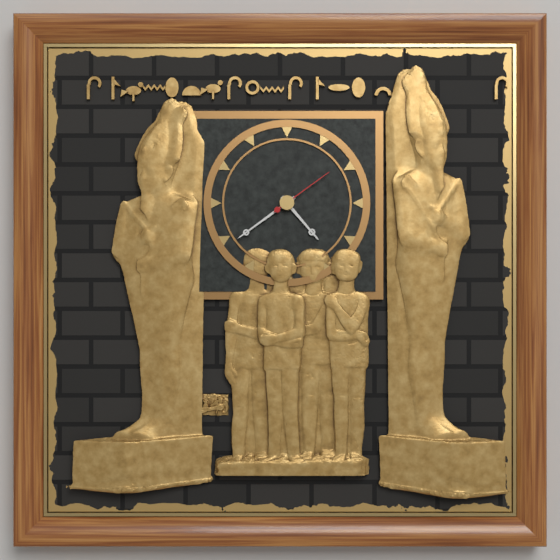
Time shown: {"hour": 4, "minute": 39, "second": 9}
